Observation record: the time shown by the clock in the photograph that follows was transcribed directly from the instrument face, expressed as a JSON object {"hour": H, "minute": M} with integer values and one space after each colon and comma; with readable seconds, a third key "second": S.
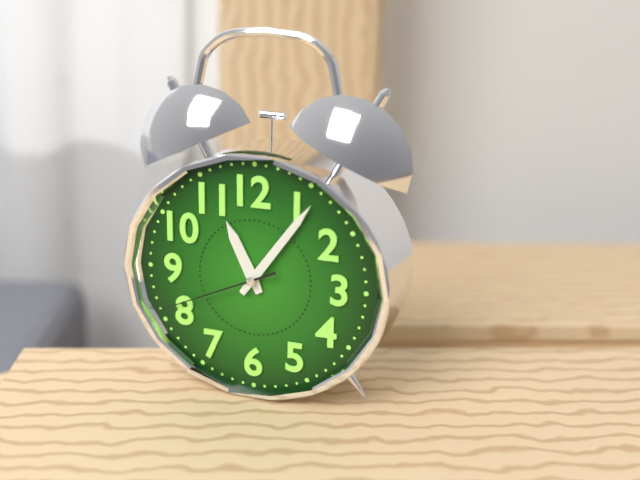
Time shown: {"hour": 11, "minute": 6, "second": 41}
